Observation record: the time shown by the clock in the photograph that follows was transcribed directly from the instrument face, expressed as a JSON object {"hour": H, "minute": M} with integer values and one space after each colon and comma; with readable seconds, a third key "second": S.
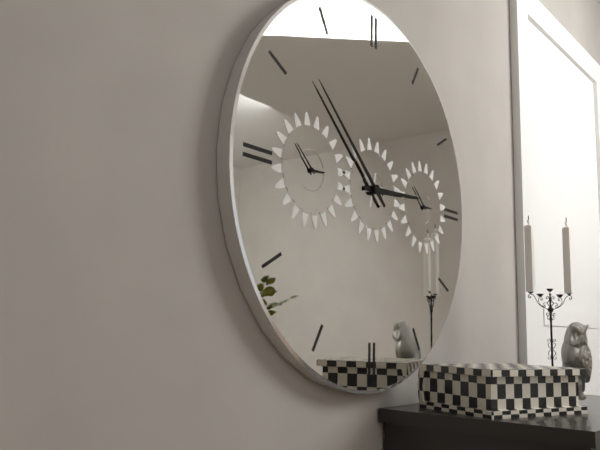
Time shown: {"hour": 2, "minute": 52}
